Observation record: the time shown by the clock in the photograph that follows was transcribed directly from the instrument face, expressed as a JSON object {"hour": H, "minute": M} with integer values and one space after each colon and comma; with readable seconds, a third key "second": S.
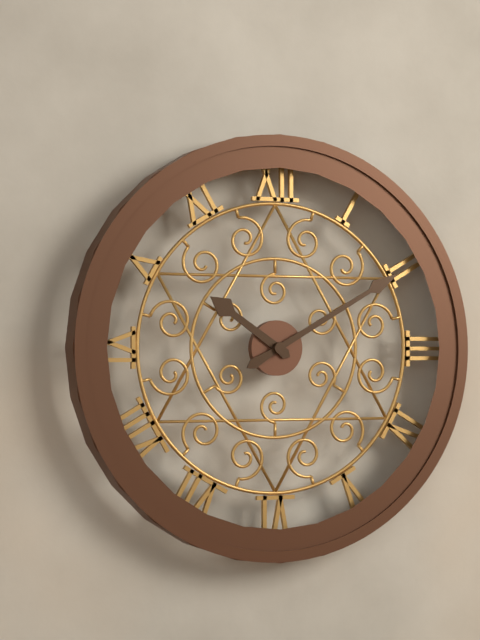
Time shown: {"hour": 10, "minute": 10}
